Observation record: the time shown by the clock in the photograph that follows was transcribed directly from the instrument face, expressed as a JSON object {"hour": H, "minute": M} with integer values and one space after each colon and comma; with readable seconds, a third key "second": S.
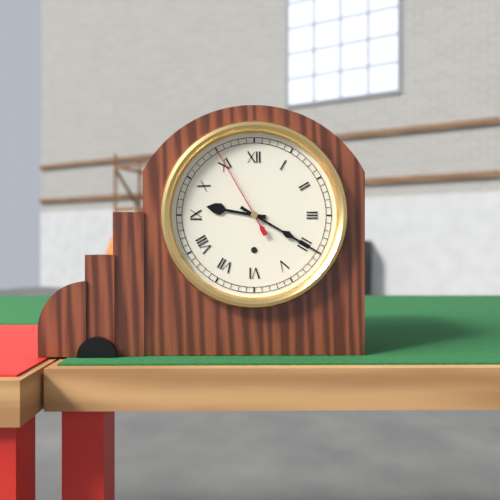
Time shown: {"hour": 9, "minute": 20, "second": 55}
